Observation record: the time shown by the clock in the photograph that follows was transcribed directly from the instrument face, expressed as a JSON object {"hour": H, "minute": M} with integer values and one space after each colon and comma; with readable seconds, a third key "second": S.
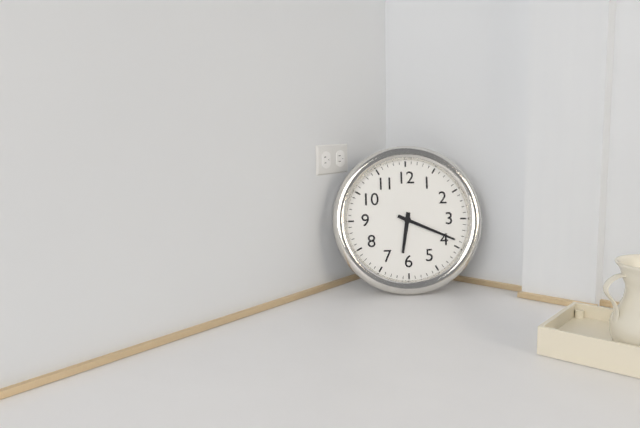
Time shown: {"hour": 6, "minute": 19}
